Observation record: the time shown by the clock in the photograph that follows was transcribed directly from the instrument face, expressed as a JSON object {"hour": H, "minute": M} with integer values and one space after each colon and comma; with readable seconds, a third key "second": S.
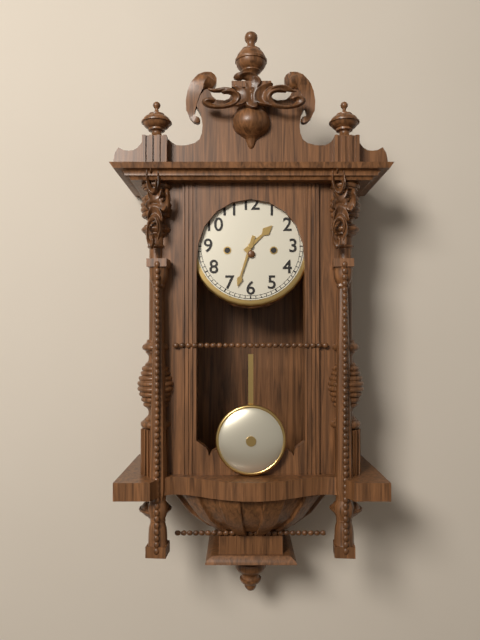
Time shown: {"hour": 1, "minute": 33}
